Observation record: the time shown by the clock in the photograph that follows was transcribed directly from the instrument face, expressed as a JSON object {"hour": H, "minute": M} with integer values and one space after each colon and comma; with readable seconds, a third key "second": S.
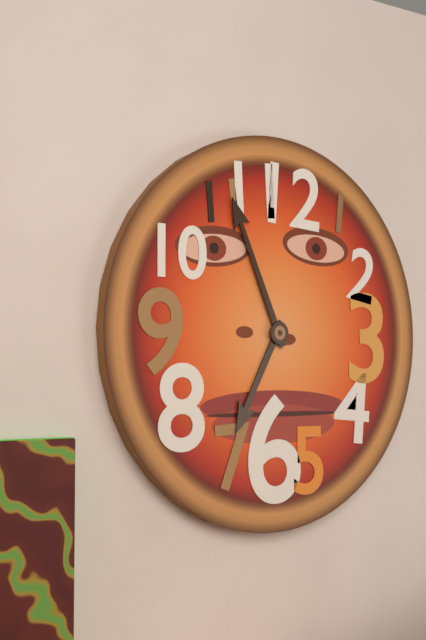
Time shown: {"hour": 6, "minute": 56}
